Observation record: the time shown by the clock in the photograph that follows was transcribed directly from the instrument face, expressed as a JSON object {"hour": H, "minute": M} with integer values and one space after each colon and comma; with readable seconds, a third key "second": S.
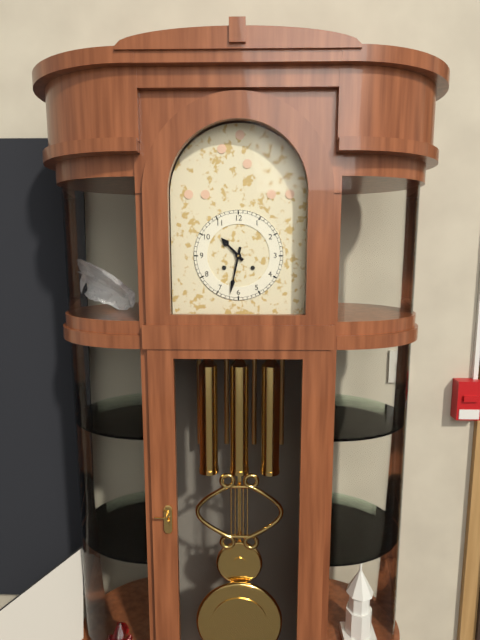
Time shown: {"hour": 10, "minute": 32}
